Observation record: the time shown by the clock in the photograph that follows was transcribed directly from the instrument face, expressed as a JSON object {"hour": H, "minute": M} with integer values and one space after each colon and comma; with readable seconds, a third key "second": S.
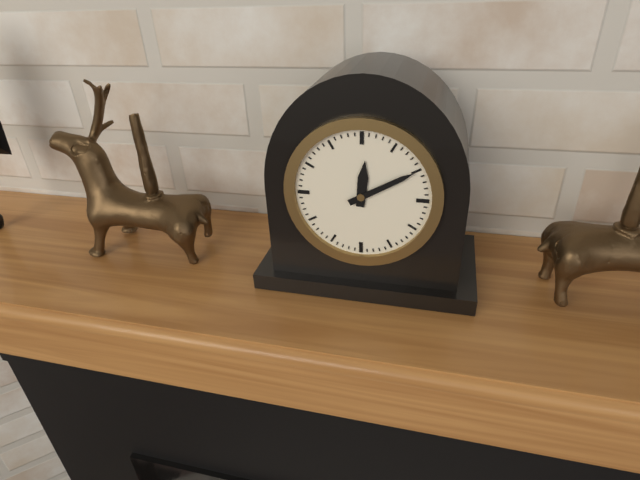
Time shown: {"hour": 12, "minute": 10}
